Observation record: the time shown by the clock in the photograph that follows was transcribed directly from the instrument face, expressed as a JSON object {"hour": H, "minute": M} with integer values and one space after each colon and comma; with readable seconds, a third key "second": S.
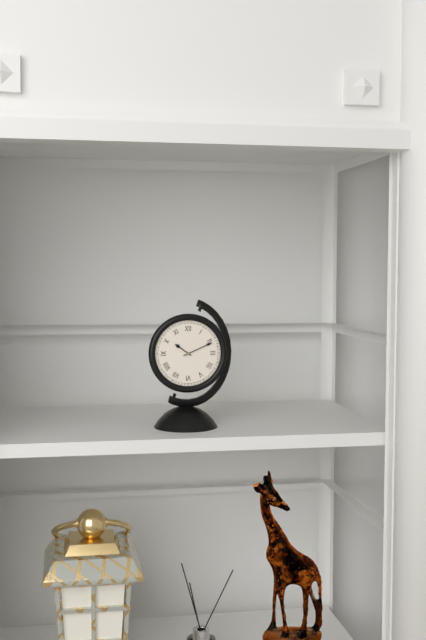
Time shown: {"hour": 10, "minute": 11}
